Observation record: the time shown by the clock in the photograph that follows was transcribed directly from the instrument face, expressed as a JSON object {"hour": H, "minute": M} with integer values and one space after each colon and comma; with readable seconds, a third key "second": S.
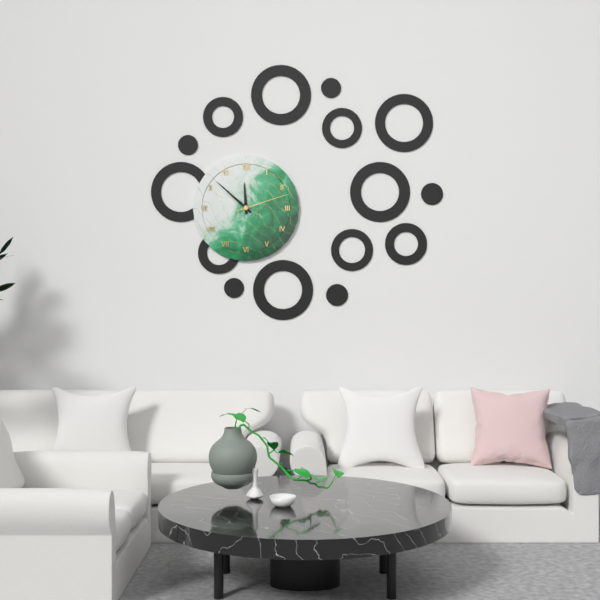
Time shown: {"hour": 11, "minute": 52, "second": 12}
